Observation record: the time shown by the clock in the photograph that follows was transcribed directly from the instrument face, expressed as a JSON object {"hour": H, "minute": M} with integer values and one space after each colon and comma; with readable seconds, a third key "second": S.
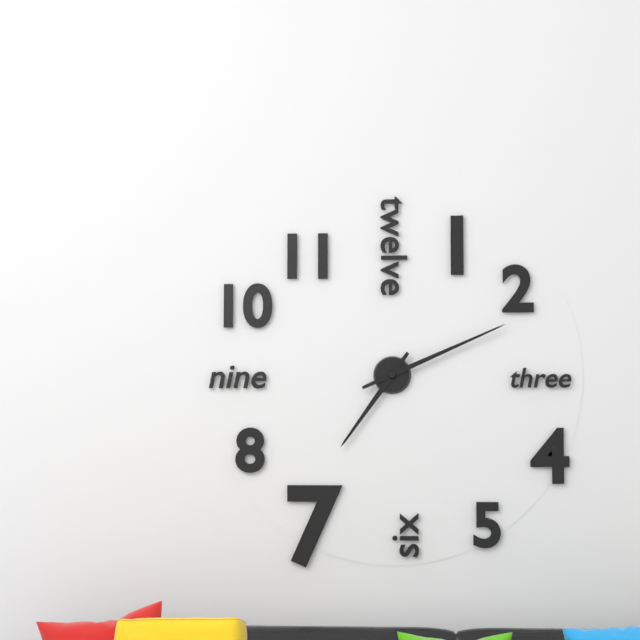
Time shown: {"hour": 7, "minute": 11}
